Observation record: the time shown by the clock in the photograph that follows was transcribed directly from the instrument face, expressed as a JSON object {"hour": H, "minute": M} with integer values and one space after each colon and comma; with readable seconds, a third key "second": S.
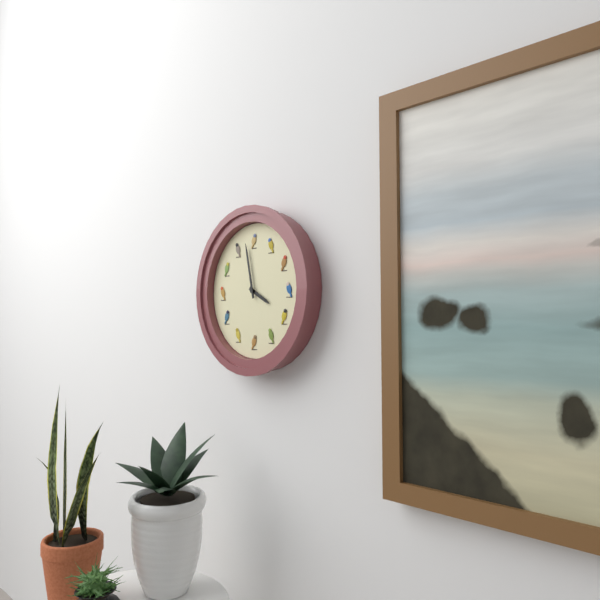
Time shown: {"hour": 3, "minute": 58}
